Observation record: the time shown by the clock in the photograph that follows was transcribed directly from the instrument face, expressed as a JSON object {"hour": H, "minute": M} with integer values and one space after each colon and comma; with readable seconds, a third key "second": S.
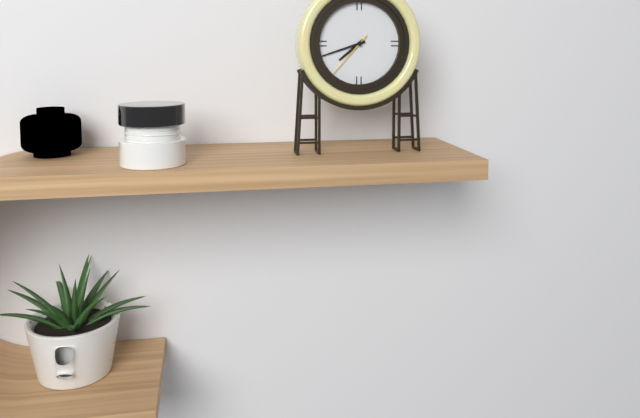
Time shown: {"hour": 7, "minute": 42, "second": 37}
